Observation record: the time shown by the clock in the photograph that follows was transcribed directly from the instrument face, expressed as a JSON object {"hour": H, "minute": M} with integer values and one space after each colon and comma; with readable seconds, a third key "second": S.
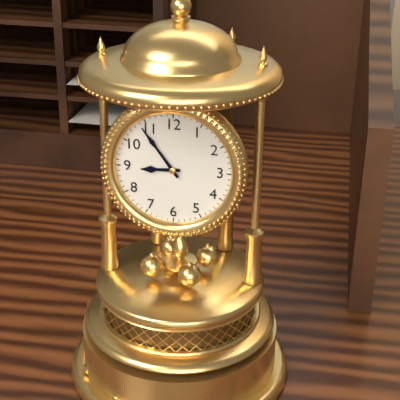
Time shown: {"hour": 8, "minute": 54}
